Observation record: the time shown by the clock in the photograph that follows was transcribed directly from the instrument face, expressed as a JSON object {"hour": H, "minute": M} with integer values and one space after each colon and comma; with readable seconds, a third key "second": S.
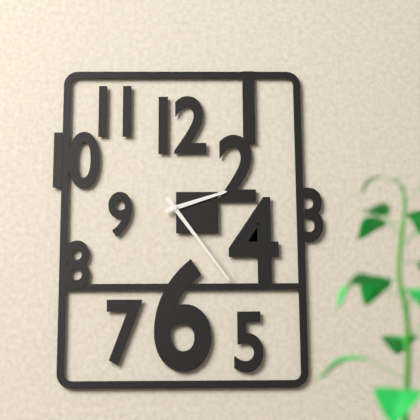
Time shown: {"hour": 2, "minute": 24}
